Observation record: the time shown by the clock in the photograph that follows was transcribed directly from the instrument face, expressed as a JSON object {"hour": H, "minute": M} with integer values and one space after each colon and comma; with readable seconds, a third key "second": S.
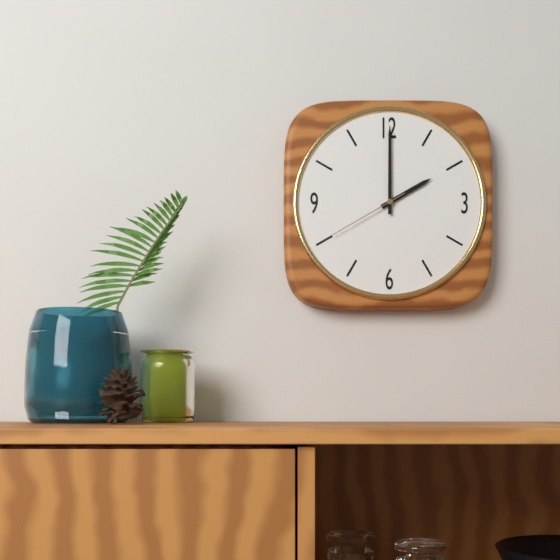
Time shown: {"hour": 2, "minute": 0, "second": 40}
